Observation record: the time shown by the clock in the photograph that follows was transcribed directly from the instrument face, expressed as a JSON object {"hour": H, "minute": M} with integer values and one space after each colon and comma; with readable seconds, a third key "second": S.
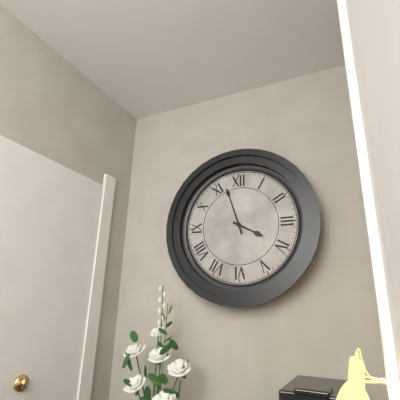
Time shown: {"hour": 3, "minute": 57}
